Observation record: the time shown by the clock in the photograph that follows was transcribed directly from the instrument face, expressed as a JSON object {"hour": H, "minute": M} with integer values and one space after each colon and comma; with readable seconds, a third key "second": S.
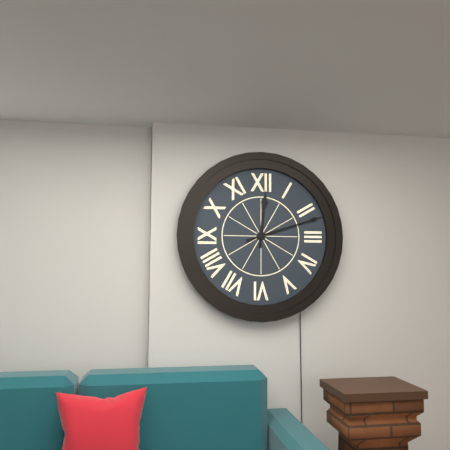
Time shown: {"hour": 12, "minute": 12}
